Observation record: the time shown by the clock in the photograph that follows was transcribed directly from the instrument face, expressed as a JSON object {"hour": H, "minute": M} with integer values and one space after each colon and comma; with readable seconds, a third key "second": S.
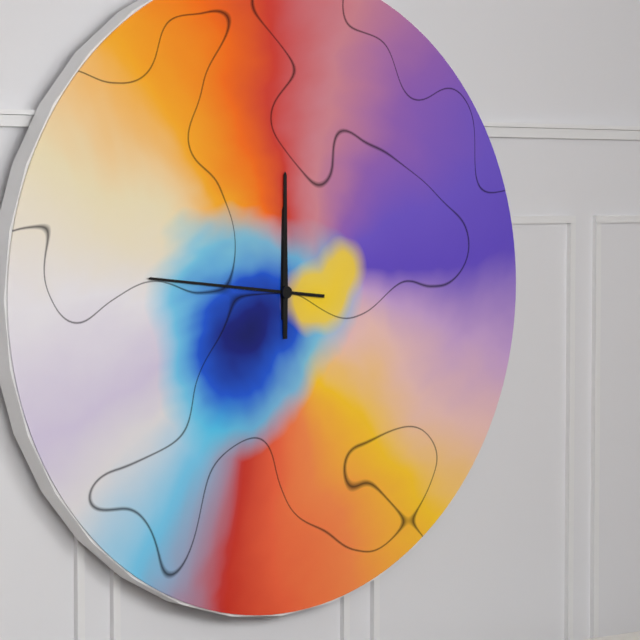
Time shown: {"hour": 12, "minute": 0, "second": 46}
